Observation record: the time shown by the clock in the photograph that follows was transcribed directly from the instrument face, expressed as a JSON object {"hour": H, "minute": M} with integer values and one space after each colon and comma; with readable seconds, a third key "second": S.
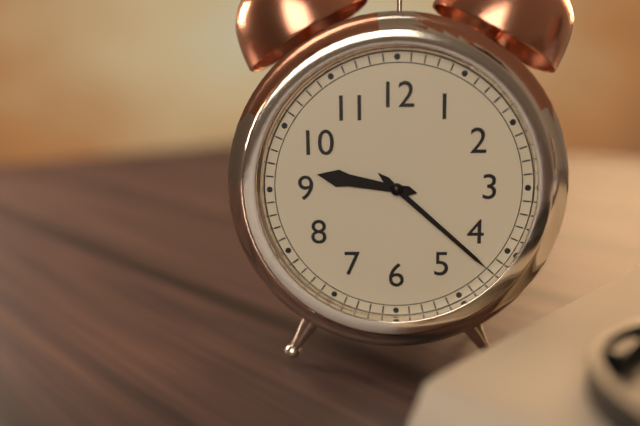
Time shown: {"hour": 9, "minute": 22}
